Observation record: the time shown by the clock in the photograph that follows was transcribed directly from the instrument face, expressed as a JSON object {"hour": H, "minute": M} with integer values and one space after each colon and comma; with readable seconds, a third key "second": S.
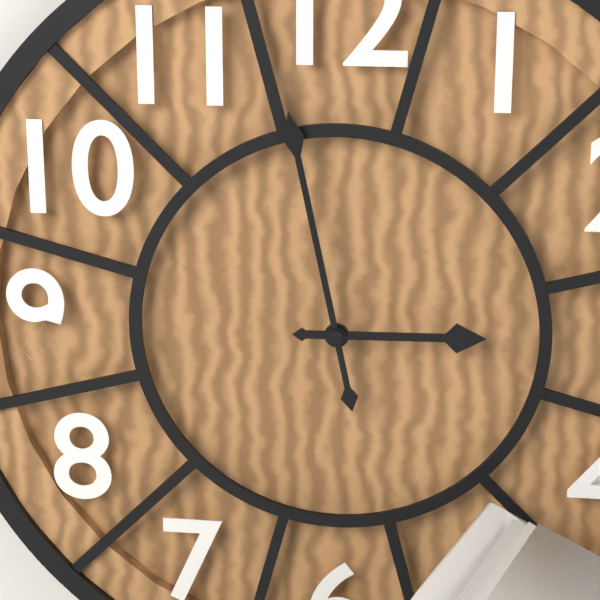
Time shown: {"hour": 2, "minute": 58}
